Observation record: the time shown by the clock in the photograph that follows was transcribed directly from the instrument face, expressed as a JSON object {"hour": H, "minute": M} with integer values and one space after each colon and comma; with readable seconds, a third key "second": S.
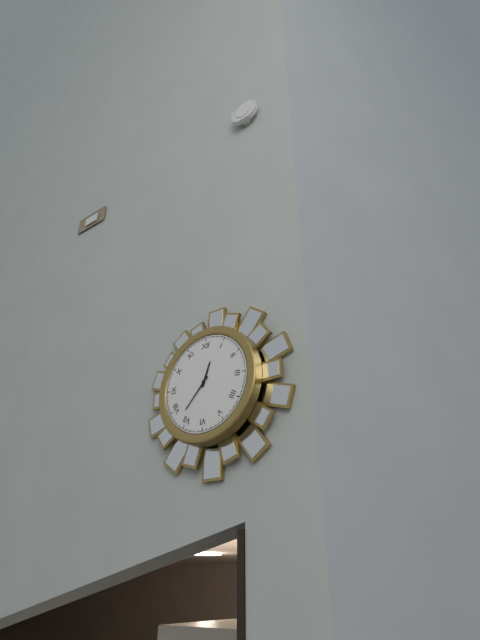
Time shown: {"hour": 12, "minute": 37}
